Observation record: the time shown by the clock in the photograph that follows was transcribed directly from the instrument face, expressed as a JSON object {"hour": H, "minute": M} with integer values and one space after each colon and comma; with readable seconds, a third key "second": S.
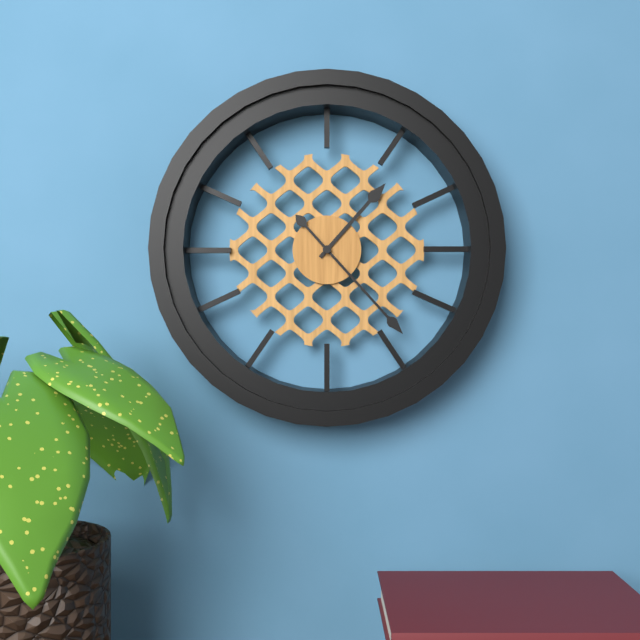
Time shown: {"hour": 1, "minute": 23}
